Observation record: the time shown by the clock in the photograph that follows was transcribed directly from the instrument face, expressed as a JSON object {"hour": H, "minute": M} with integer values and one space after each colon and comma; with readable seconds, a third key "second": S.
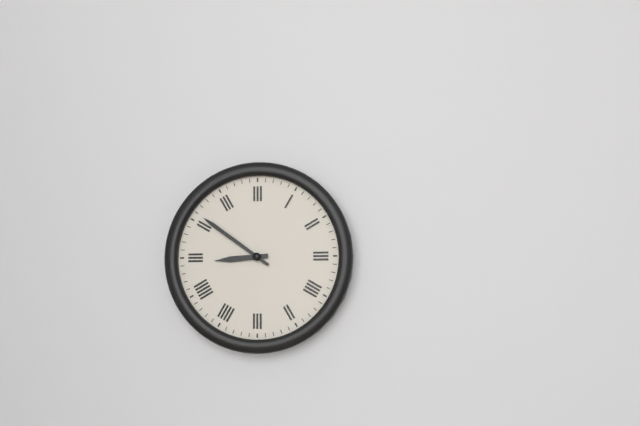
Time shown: {"hour": 8, "minute": 51}
